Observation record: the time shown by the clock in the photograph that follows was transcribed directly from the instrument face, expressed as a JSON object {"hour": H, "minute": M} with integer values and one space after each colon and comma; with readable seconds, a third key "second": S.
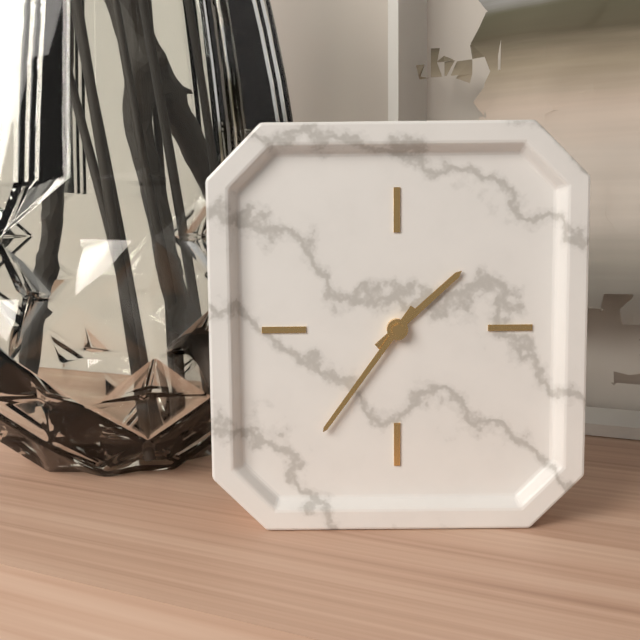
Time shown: {"hour": 1, "minute": 36}
